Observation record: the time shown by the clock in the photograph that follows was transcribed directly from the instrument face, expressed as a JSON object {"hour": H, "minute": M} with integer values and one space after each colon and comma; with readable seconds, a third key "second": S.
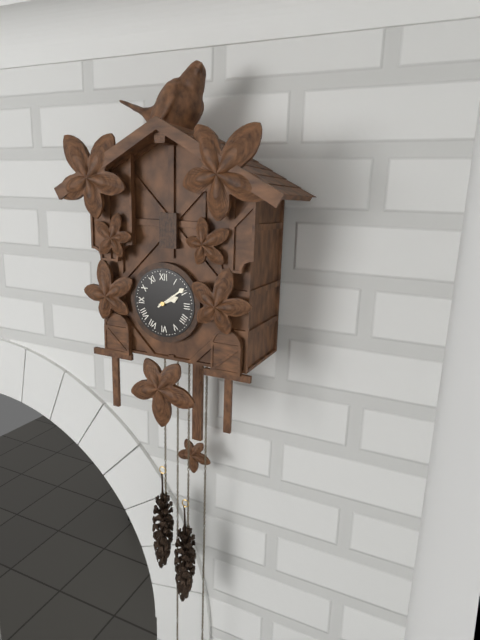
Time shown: {"hour": 2, "minute": 9}
